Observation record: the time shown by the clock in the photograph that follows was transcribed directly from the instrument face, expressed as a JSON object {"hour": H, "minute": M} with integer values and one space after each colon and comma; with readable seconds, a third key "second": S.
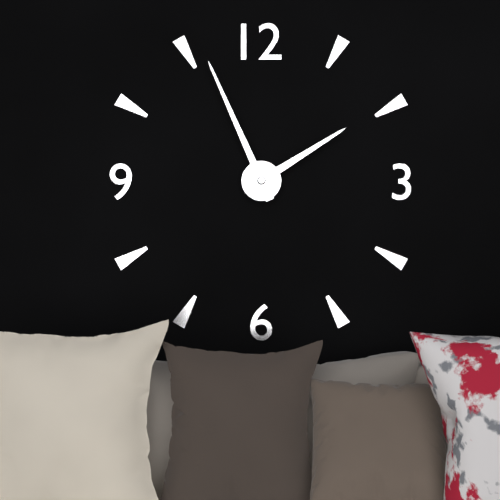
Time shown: {"hour": 1, "minute": 56}
